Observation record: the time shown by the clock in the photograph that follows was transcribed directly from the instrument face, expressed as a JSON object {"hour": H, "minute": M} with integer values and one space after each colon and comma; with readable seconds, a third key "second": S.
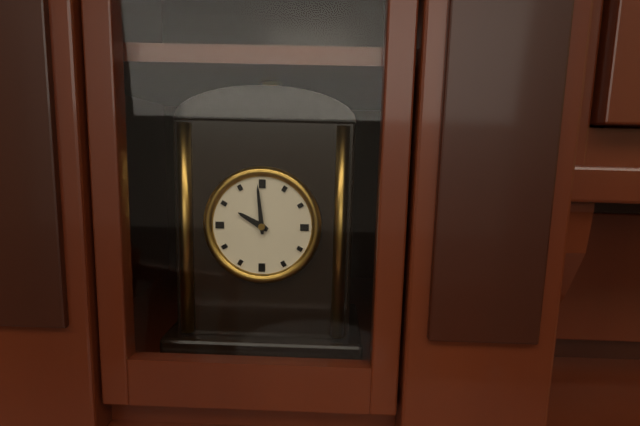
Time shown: {"hour": 9, "minute": 59}
